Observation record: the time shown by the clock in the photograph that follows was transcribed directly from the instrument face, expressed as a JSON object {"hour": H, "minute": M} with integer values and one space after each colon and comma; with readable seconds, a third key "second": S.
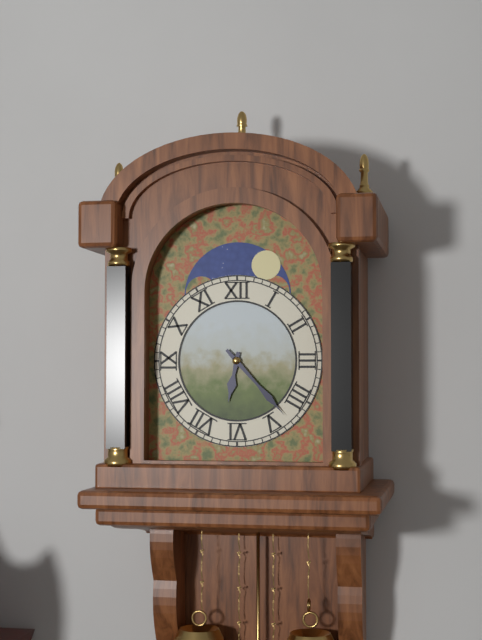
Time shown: {"hour": 6, "minute": 23}
